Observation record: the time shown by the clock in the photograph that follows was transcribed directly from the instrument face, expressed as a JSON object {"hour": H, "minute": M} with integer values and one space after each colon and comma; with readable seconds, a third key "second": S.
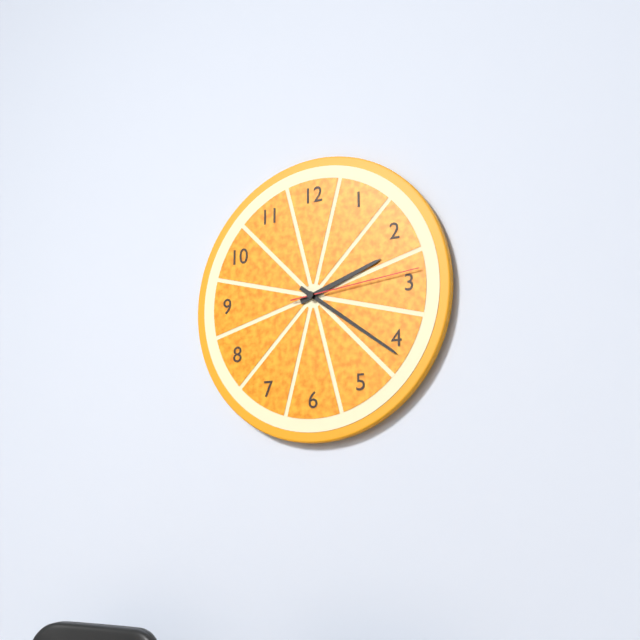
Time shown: {"hour": 2, "minute": 21, "second": 14}
